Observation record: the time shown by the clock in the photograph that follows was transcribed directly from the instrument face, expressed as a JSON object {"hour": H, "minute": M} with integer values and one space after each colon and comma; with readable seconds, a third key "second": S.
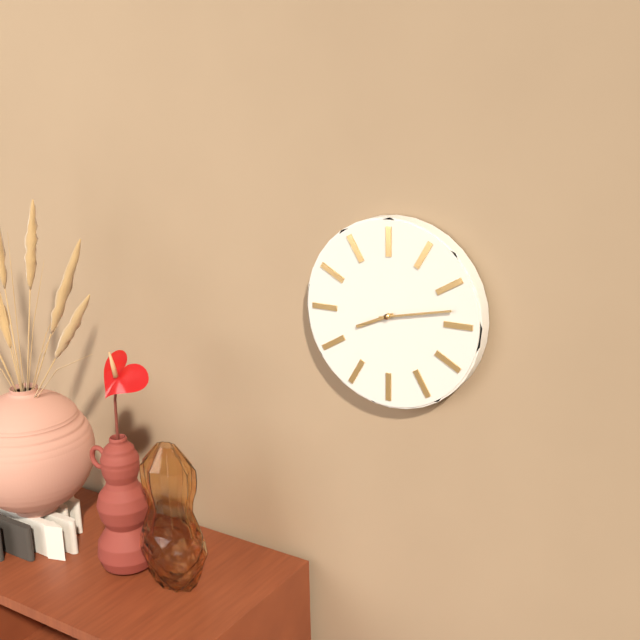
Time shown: {"hour": 8, "minute": 13}
